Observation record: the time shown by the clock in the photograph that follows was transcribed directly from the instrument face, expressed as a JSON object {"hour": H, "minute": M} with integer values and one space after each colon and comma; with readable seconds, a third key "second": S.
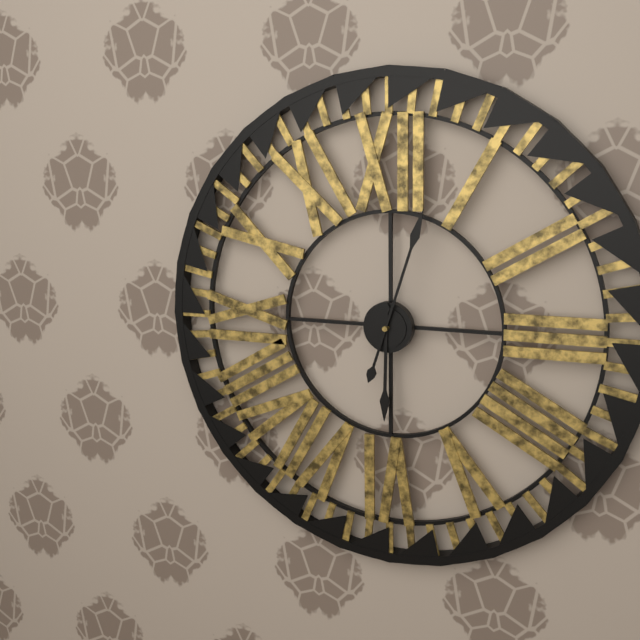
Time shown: {"hour": 6, "minute": 3}
